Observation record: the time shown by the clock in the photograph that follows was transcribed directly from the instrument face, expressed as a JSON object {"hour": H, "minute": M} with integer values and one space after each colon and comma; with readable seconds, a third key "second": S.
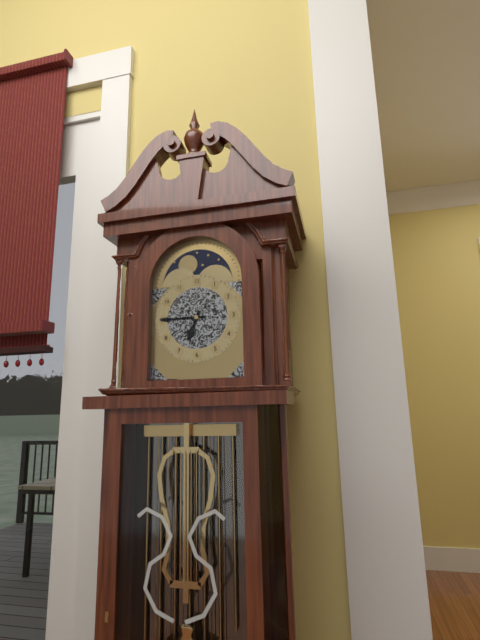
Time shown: {"hour": 6, "minute": 45}
